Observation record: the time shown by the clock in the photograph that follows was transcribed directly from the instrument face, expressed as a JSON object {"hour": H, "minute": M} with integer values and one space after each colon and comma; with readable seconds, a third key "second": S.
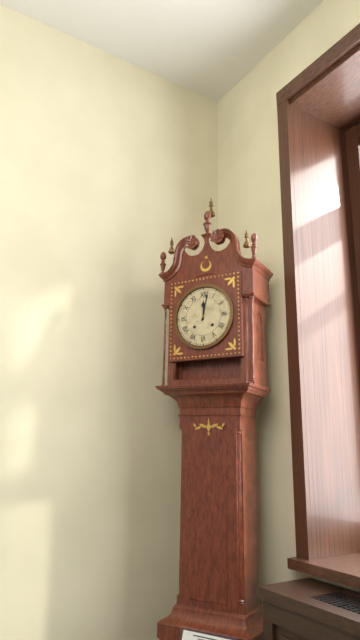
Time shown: {"hour": 12, "minute": 2}
